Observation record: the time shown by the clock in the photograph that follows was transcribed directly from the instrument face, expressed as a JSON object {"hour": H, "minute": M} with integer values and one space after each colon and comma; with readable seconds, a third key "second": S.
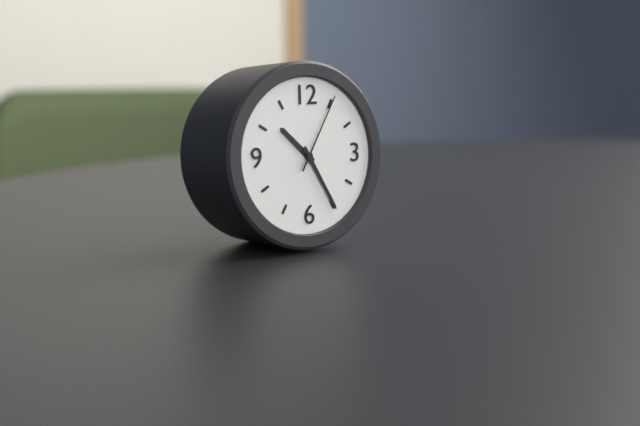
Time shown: {"hour": 10, "minute": 25, "second": 5}
